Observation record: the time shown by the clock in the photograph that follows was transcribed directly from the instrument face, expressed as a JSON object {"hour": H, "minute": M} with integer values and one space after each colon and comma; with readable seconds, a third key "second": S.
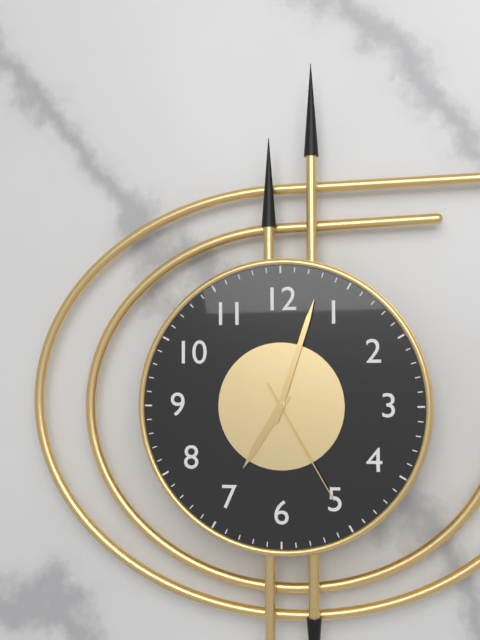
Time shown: {"hour": 7, "minute": 3, "second": 25}
